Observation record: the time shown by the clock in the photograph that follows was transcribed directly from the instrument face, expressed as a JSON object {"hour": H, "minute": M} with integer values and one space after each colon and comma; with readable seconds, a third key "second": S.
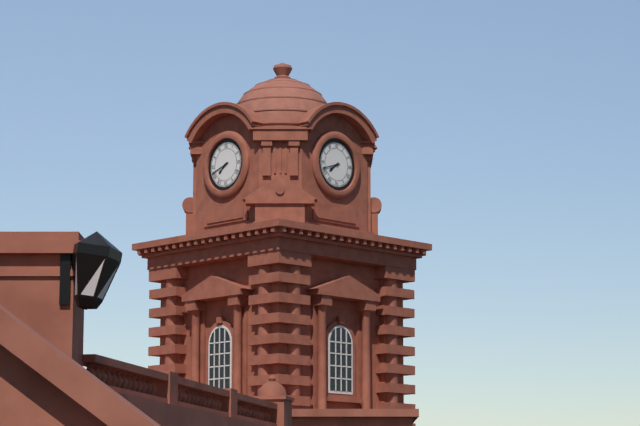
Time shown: {"hour": 7, "minute": 42}
